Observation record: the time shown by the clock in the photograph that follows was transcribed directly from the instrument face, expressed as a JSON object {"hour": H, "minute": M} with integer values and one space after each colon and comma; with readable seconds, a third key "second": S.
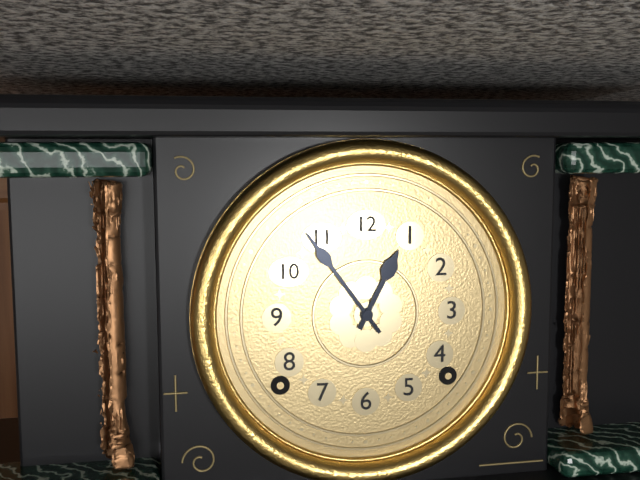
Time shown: {"hour": 12, "minute": 54}
